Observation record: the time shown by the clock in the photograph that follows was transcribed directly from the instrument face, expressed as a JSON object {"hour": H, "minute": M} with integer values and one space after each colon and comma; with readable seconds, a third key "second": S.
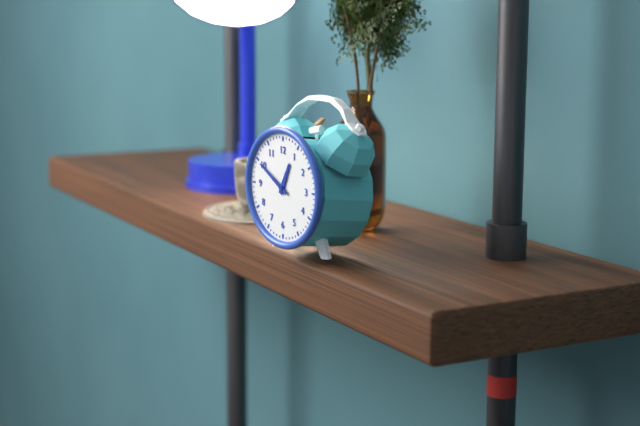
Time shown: {"hour": 12, "minute": 50}
